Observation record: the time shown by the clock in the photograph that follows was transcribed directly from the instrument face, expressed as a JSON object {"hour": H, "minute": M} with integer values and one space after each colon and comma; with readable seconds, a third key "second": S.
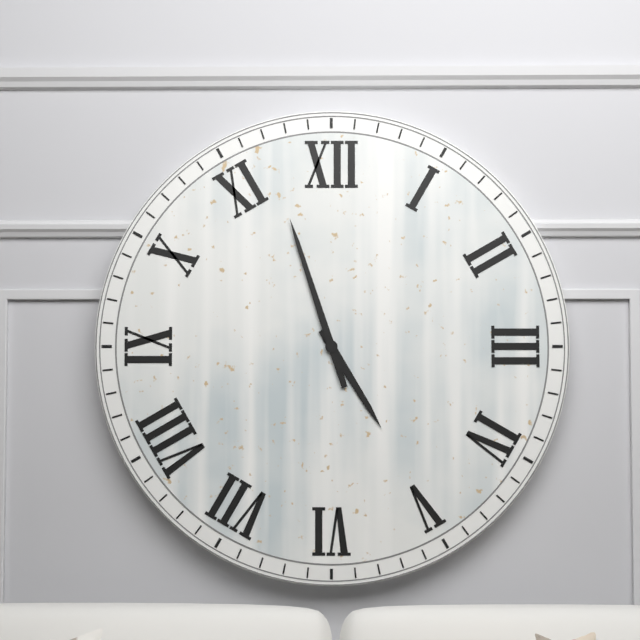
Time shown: {"hour": 4, "minute": 57}
